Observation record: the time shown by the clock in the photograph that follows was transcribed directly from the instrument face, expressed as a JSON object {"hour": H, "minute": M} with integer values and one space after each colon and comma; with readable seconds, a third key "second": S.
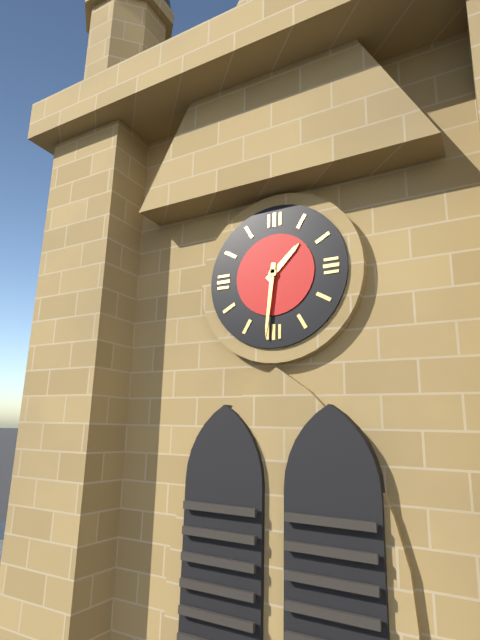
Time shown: {"hour": 1, "minute": 31}
